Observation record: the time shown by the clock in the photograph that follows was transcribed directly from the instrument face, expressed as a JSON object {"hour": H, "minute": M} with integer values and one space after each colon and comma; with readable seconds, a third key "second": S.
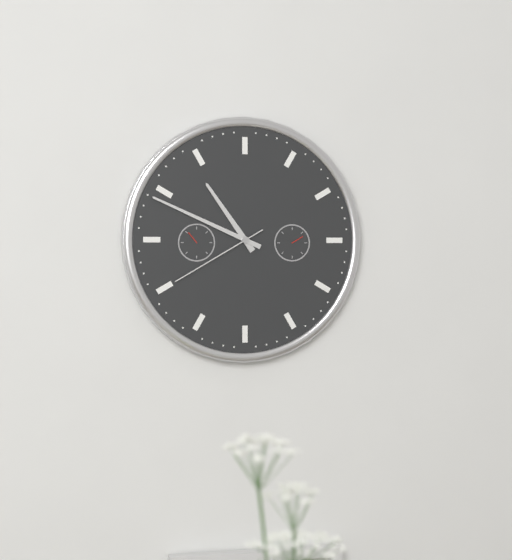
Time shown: {"hour": 10, "minute": 49, "second": 40}
